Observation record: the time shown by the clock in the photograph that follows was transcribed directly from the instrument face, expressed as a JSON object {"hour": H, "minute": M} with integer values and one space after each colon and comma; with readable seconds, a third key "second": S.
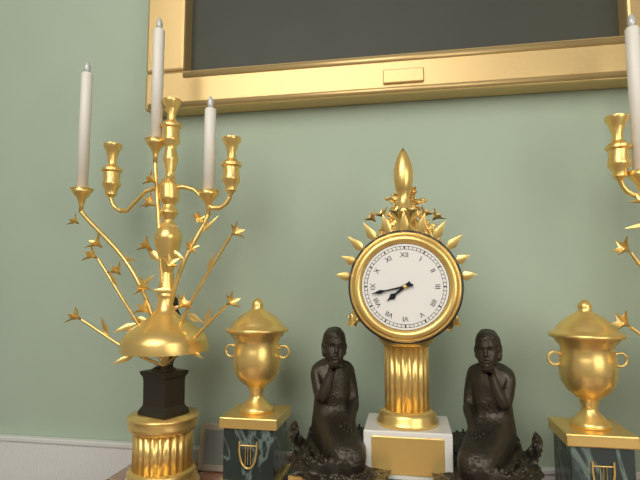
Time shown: {"hour": 7, "minute": 43}
